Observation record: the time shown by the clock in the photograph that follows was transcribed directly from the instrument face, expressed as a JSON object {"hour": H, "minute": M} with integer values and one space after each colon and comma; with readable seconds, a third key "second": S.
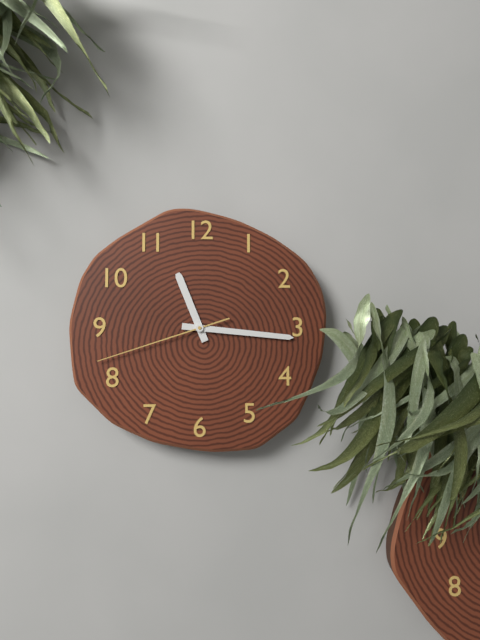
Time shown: {"hour": 11, "minute": 16, "second": 42}
